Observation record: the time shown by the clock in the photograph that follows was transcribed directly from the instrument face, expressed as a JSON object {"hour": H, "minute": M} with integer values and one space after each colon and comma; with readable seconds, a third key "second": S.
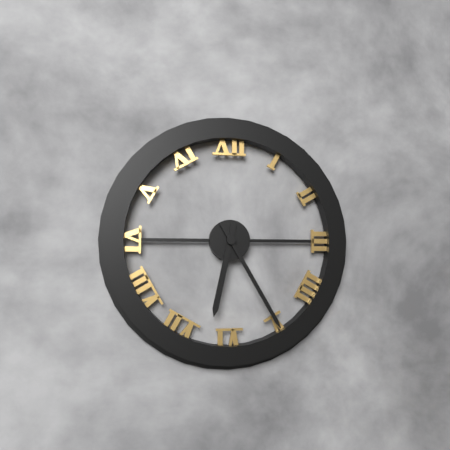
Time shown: {"hour": 6, "minute": 25}
